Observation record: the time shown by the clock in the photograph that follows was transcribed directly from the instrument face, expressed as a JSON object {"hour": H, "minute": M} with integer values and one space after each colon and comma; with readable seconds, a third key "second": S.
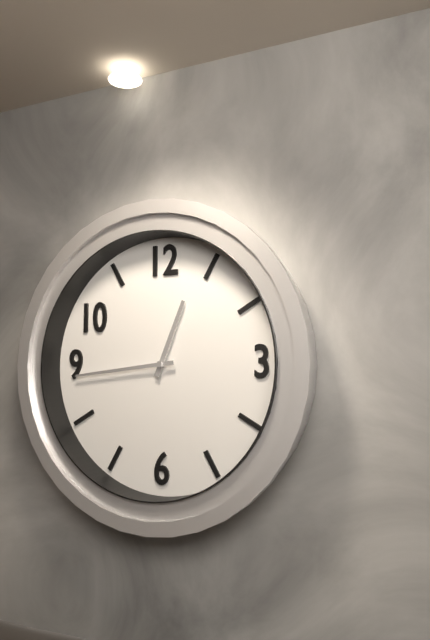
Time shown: {"hour": 12, "minute": 44}
